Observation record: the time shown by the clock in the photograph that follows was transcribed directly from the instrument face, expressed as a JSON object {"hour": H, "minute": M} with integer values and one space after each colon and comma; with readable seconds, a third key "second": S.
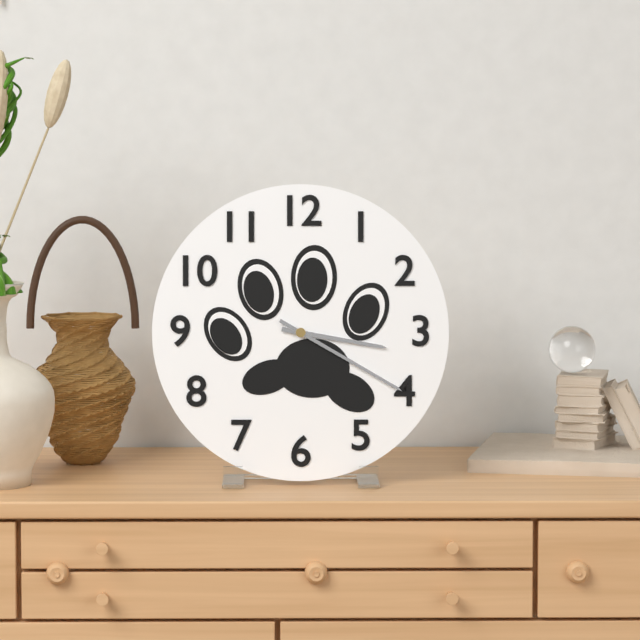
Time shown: {"hour": 3, "minute": 20}
